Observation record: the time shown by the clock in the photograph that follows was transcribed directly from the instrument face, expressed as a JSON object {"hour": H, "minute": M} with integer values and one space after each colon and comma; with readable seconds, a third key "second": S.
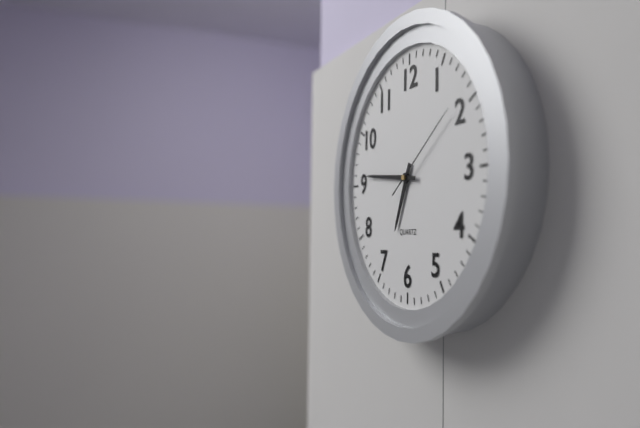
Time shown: {"hour": 6, "minute": 46, "second": 9}
